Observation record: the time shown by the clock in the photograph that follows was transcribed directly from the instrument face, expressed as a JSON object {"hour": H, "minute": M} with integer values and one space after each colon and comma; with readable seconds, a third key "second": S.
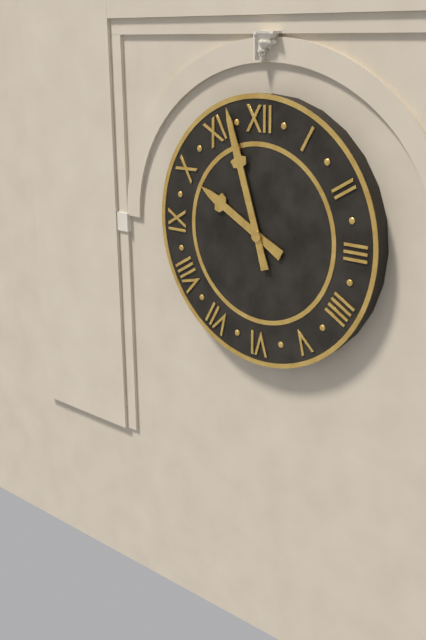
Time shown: {"hour": 9, "minute": 57}
